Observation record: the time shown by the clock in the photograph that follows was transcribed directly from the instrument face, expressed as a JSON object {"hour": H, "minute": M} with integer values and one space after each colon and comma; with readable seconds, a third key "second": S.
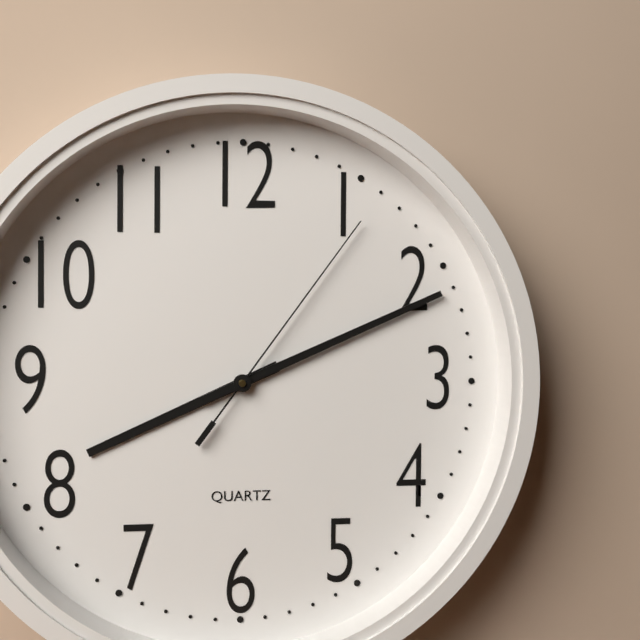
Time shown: {"hour": 8, "minute": 11, "second": 6}
